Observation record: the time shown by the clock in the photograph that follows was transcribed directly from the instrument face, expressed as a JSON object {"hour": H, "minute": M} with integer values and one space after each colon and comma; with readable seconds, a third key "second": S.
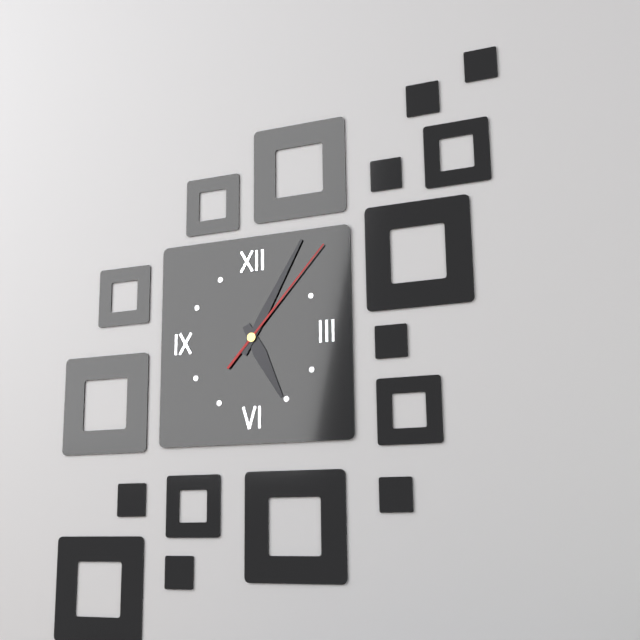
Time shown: {"hour": 5, "minute": 5, "second": 7}
